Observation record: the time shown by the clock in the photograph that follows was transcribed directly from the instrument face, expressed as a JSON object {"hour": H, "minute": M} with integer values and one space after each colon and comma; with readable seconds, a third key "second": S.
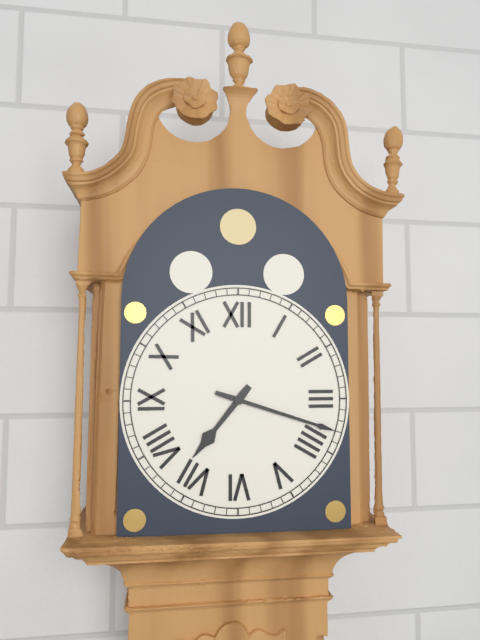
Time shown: {"hour": 7, "minute": 18}
